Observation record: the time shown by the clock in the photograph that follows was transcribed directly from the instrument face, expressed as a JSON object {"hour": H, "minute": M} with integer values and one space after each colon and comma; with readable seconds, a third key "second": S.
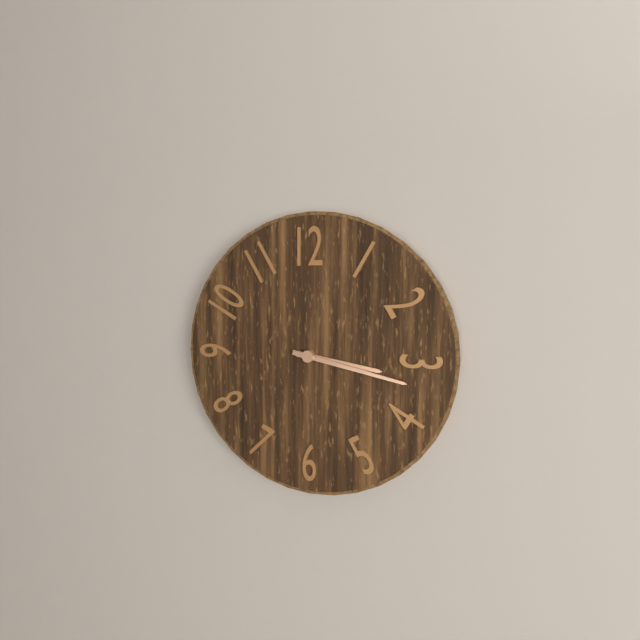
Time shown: {"hour": 3, "minute": 17}
